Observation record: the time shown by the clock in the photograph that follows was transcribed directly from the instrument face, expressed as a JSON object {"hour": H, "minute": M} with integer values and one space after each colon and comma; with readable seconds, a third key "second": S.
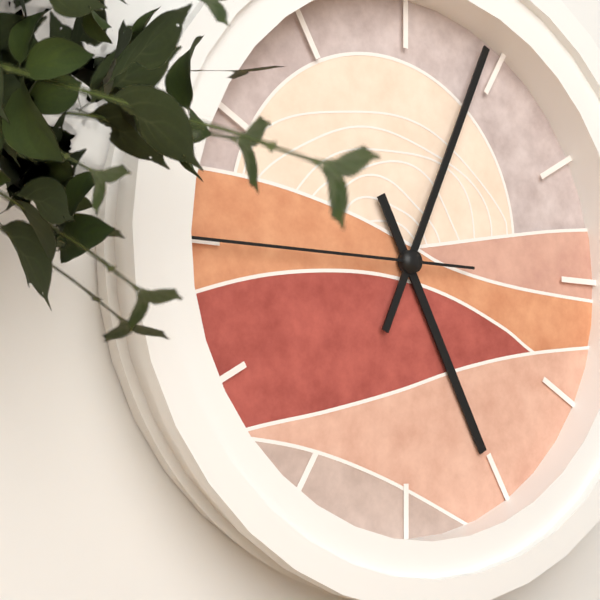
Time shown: {"hour": 5, "minute": 4, "second": 45}
